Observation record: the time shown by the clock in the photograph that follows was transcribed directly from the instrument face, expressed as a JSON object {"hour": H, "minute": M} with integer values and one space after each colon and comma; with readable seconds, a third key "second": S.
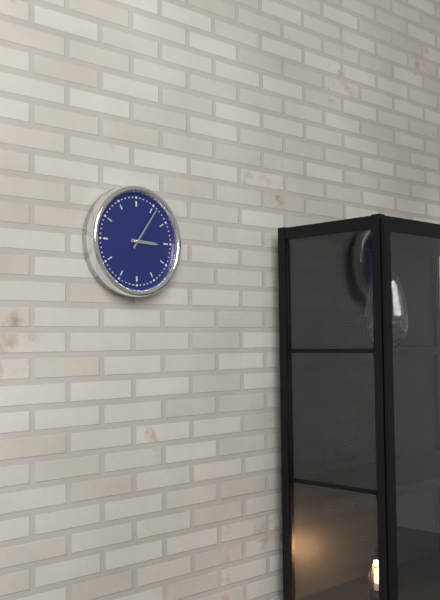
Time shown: {"hour": 3, "minute": 6}
